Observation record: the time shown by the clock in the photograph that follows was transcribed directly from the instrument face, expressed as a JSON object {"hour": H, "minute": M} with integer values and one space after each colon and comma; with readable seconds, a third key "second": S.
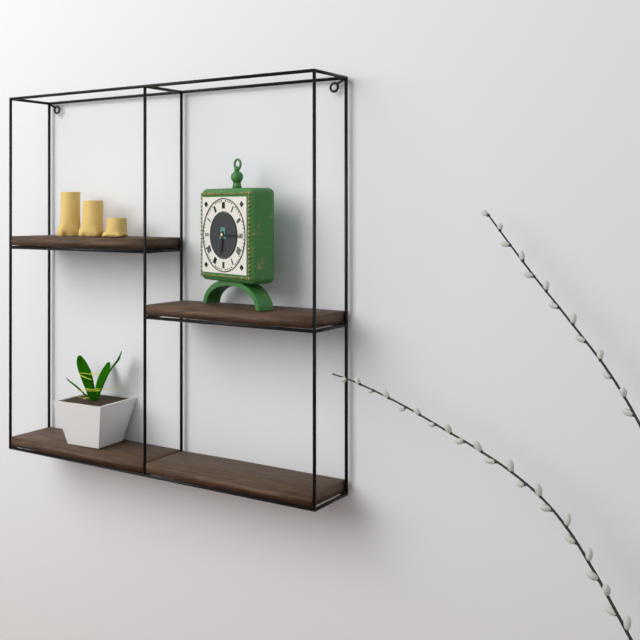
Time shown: {"hour": 6, "minute": 15}
